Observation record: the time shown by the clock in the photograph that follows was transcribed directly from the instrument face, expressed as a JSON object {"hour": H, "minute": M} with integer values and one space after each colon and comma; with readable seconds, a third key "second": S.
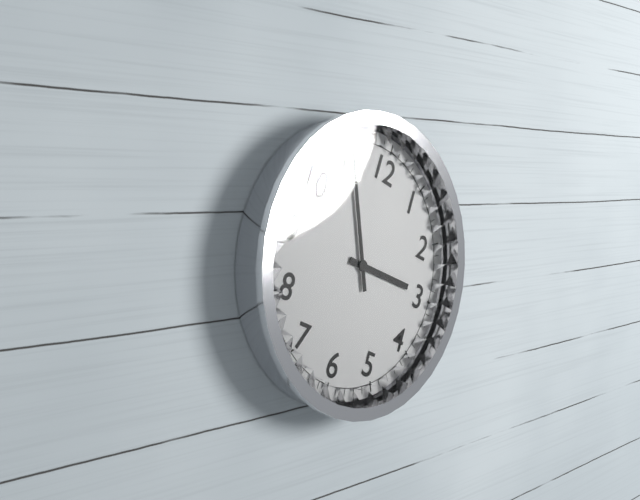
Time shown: {"hour": 2, "minute": 55}
